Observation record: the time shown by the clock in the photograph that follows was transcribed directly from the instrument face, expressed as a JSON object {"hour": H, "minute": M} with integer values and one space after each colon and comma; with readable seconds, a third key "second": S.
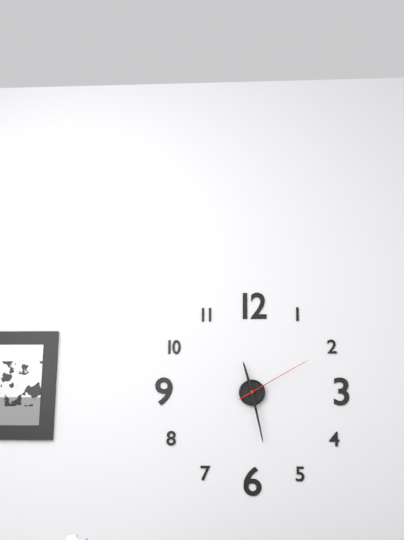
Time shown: {"hour": 11, "minute": 28, "second": 10}
